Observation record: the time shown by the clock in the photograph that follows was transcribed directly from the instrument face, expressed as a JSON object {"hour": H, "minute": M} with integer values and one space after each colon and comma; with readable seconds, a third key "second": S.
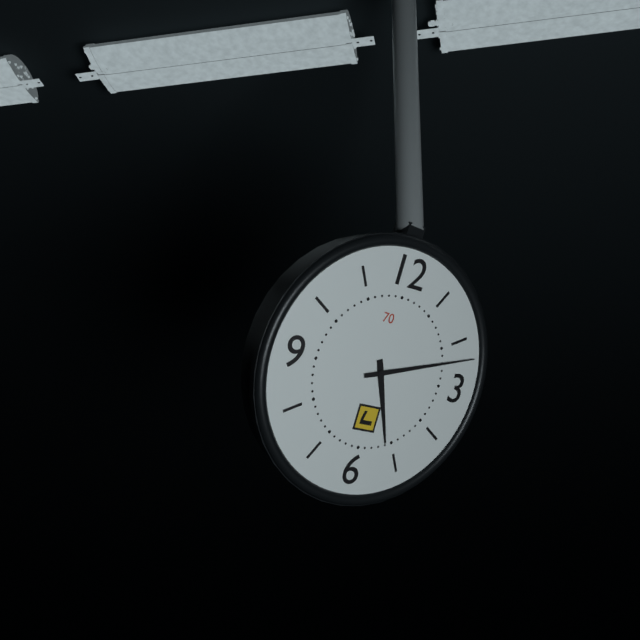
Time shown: {"hour": 5, "minute": 12}
